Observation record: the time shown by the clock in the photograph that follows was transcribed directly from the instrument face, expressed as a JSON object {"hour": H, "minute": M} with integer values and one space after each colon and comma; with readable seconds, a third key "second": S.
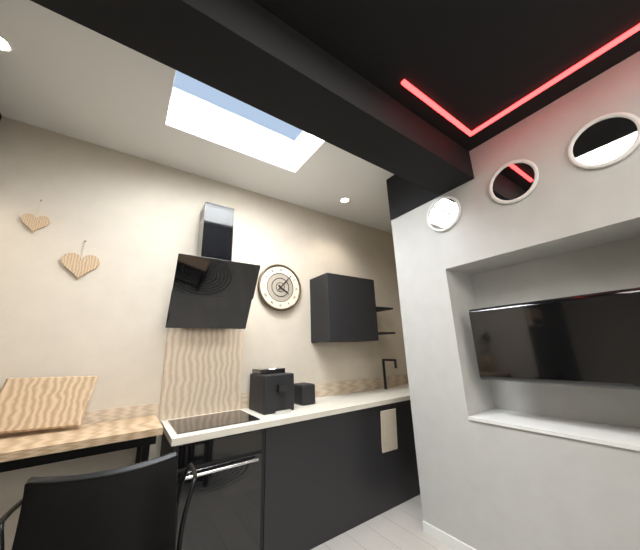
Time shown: {"hour": 4, "minute": 7}
